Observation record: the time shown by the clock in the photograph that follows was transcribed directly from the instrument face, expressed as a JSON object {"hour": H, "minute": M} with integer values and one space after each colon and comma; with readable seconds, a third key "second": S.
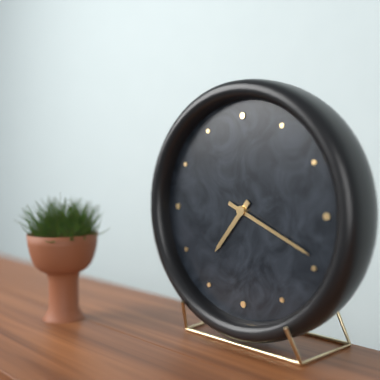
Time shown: {"hour": 7, "minute": 19}
